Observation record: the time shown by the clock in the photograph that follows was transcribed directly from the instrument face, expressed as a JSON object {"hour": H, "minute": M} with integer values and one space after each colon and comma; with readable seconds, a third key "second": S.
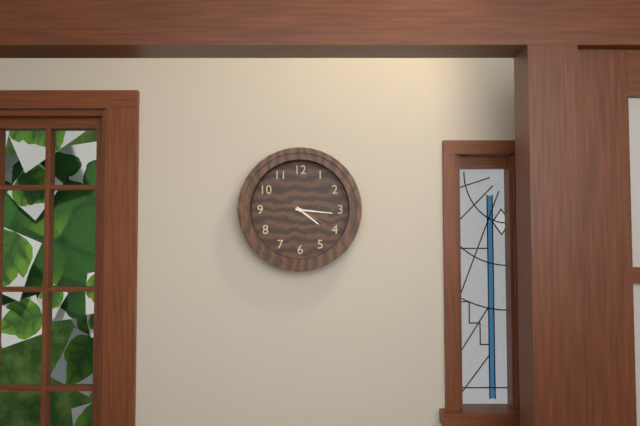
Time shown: {"hour": 4, "minute": 16}
